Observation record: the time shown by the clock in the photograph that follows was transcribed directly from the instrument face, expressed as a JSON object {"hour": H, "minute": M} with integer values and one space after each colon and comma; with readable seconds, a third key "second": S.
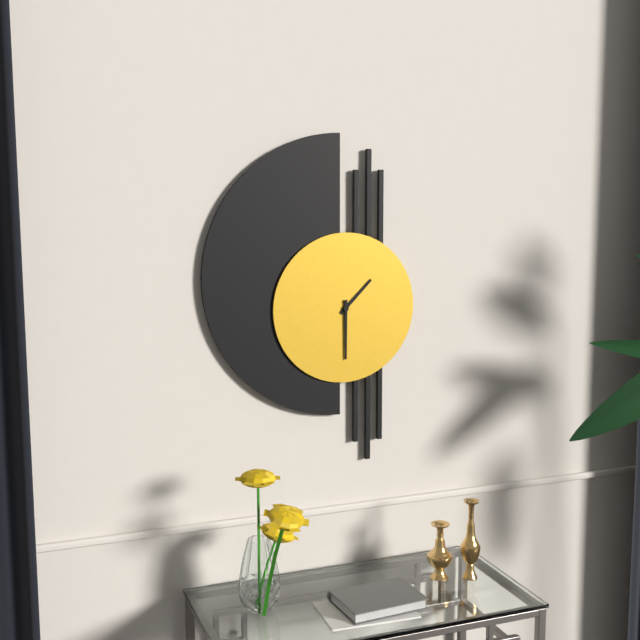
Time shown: {"hour": 1, "minute": 30}
